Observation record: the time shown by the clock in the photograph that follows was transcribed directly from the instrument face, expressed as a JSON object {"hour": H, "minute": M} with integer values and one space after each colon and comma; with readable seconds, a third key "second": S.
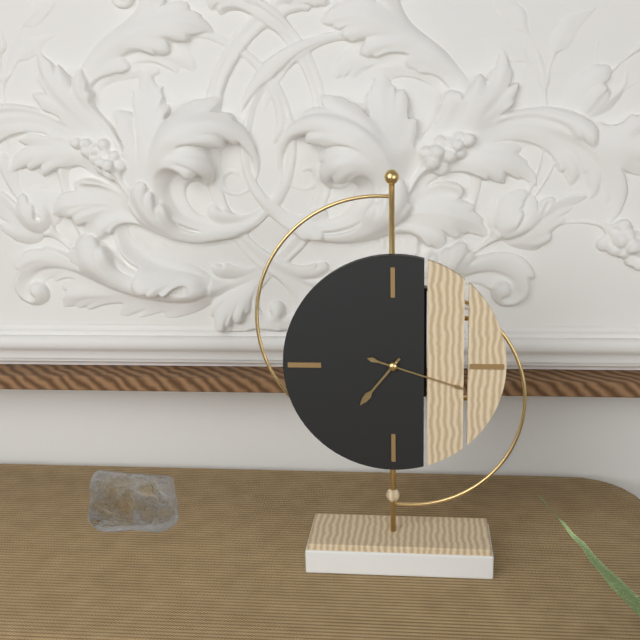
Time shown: {"hour": 7, "minute": 18}
